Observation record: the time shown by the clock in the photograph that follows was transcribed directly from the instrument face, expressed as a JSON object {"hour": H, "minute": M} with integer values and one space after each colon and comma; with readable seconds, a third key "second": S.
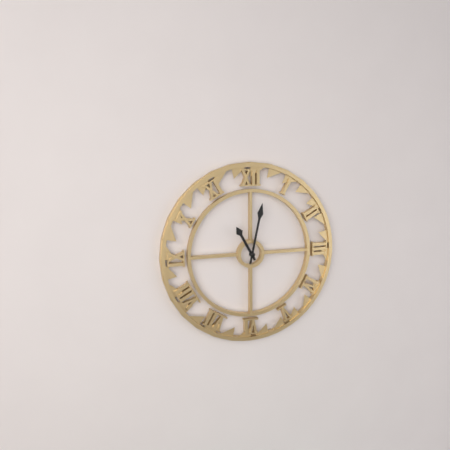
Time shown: {"hour": 11, "minute": 2}
